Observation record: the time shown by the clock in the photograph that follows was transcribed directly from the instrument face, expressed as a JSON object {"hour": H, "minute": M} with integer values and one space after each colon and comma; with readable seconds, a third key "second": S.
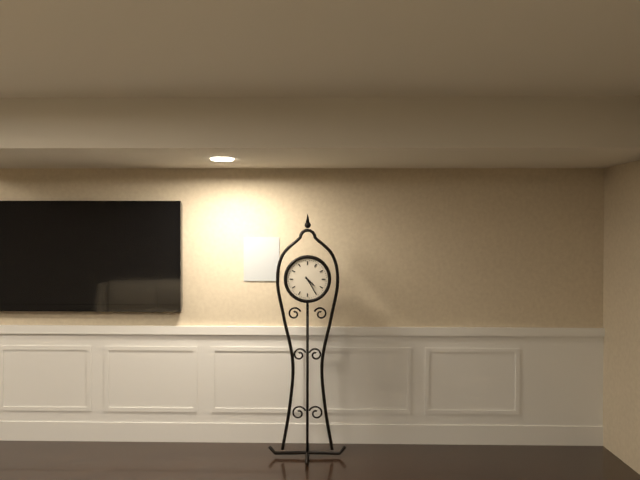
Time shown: {"hour": 4, "minute": 25}
